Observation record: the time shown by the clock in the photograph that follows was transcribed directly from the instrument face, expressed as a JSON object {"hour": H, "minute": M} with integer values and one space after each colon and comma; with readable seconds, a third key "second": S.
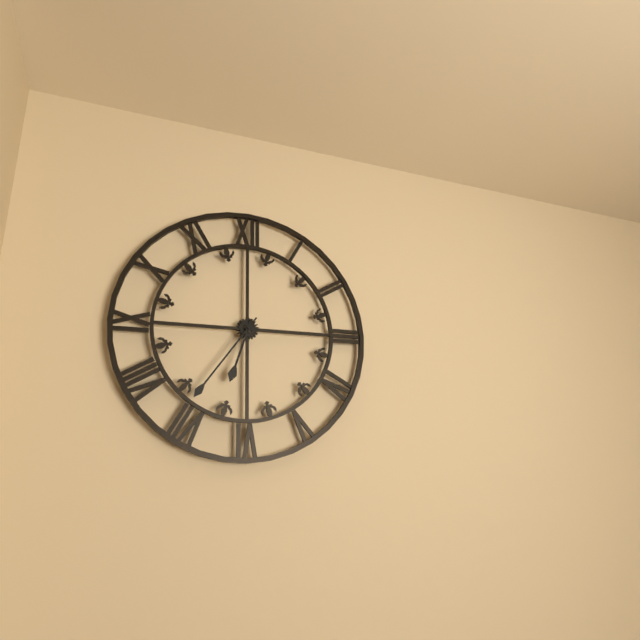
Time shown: {"hour": 6, "minute": 36}
